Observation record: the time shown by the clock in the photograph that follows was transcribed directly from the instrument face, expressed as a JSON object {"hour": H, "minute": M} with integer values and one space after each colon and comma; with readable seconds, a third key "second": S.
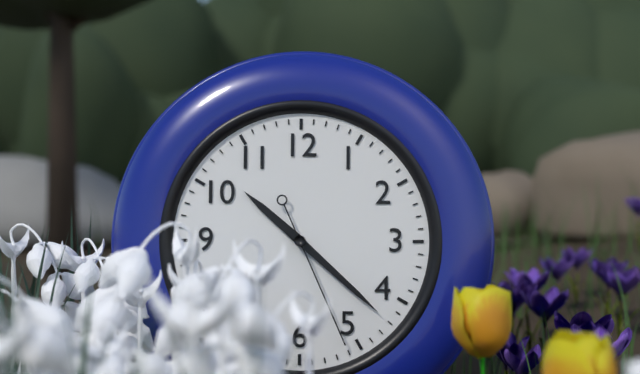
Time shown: {"hour": 10, "minute": 22, "second": 26}
